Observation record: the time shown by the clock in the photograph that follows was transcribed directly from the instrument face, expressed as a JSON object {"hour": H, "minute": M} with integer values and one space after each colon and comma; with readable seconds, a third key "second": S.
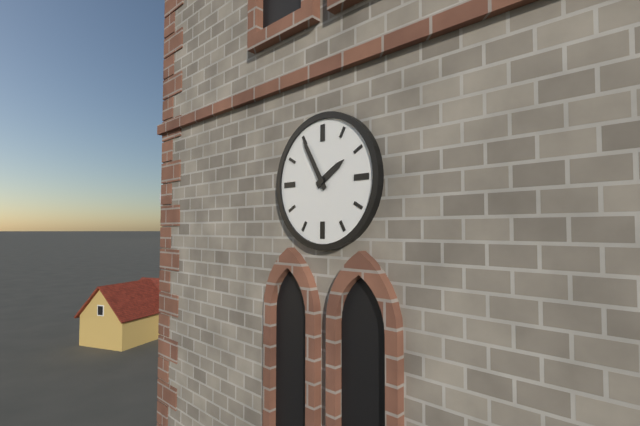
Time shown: {"hour": 1, "minute": 55}
